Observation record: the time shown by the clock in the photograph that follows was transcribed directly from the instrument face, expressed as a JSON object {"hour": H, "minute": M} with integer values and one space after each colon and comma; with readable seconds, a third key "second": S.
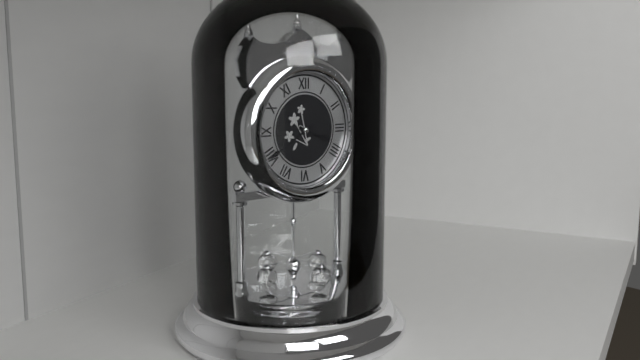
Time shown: {"hour": 3, "minute": 40}
